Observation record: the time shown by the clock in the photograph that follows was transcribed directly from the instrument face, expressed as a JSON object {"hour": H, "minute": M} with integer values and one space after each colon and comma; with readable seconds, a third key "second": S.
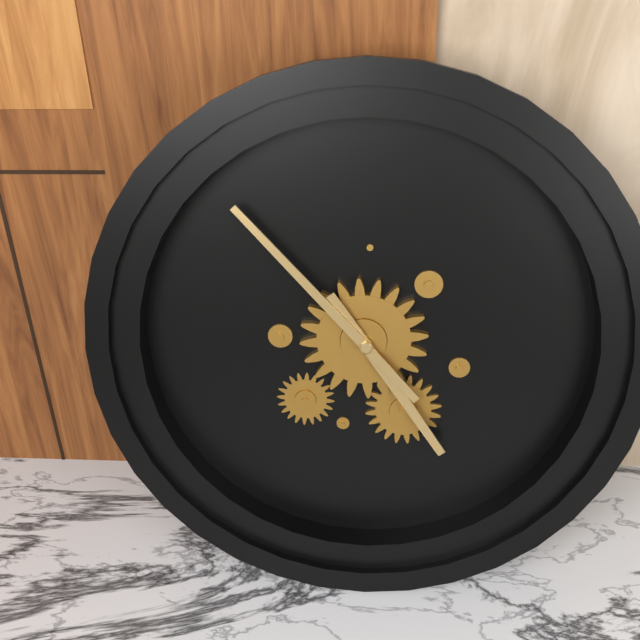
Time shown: {"hour": 4, "minute": 53}
